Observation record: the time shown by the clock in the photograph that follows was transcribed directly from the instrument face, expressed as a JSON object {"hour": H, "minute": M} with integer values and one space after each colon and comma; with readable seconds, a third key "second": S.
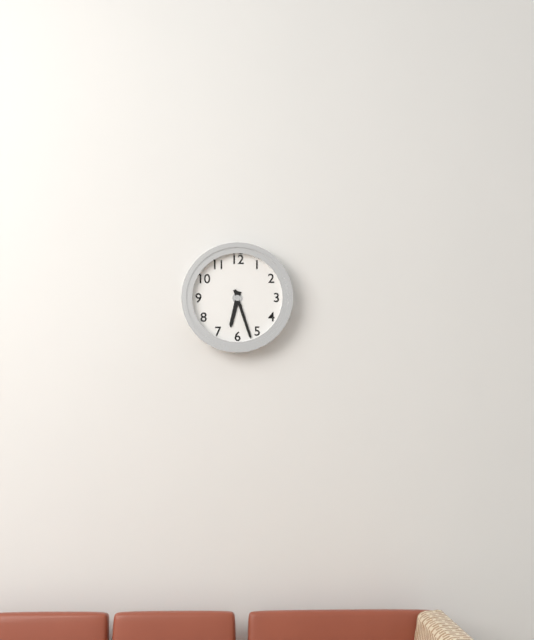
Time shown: {"hour": 6, "minute": 27}
